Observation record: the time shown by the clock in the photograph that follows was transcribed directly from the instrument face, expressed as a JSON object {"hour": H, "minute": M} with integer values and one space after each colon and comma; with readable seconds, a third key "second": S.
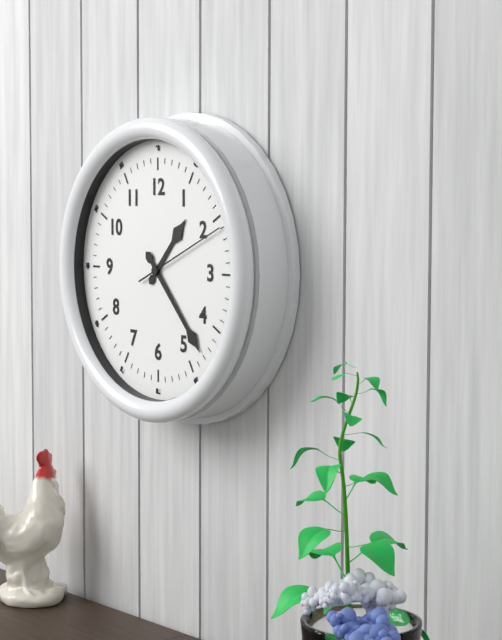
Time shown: {"hour": 1, "minute": 23, "second": 11}
